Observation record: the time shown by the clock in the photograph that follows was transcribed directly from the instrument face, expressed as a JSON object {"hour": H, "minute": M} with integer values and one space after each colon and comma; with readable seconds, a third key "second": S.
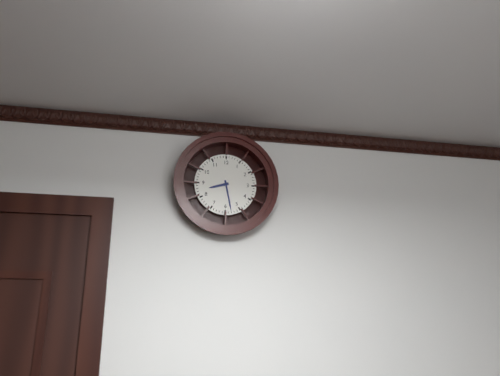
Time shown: {"hour": 8, "minute": 28}
